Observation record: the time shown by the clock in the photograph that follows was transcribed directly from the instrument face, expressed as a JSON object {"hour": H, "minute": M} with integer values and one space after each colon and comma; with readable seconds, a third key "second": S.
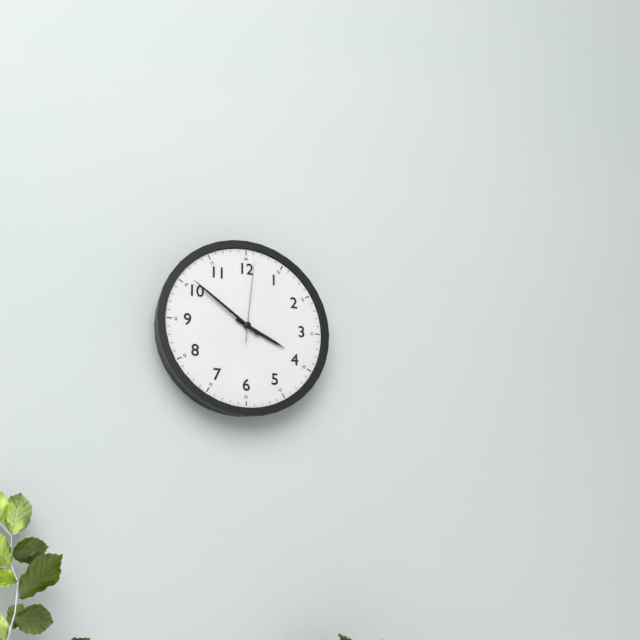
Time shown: {"hour": 3, "minute": 51, "second": 1}
